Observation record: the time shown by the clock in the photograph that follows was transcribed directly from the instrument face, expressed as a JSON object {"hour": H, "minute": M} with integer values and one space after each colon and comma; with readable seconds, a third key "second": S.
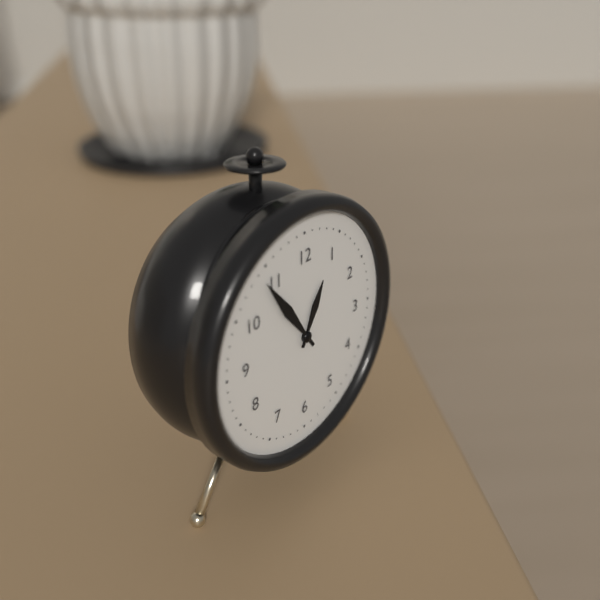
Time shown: {"hour": 12, "minute": 54}
